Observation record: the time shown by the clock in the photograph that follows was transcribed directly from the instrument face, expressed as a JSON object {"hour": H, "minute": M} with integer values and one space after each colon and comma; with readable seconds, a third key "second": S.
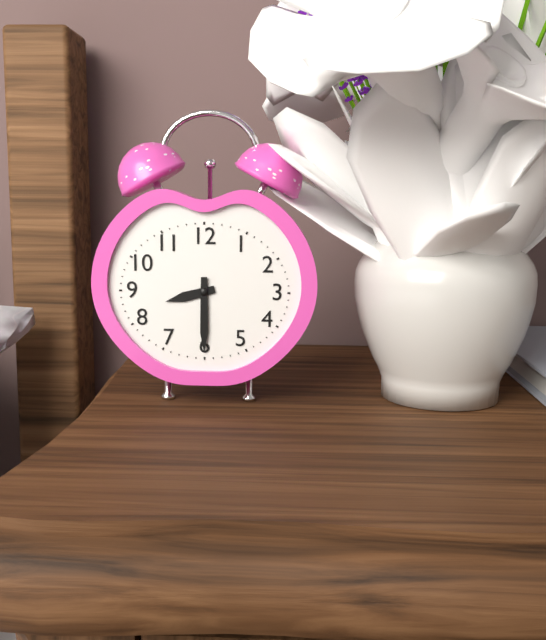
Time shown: {"hour": 8, "minute": 30}
